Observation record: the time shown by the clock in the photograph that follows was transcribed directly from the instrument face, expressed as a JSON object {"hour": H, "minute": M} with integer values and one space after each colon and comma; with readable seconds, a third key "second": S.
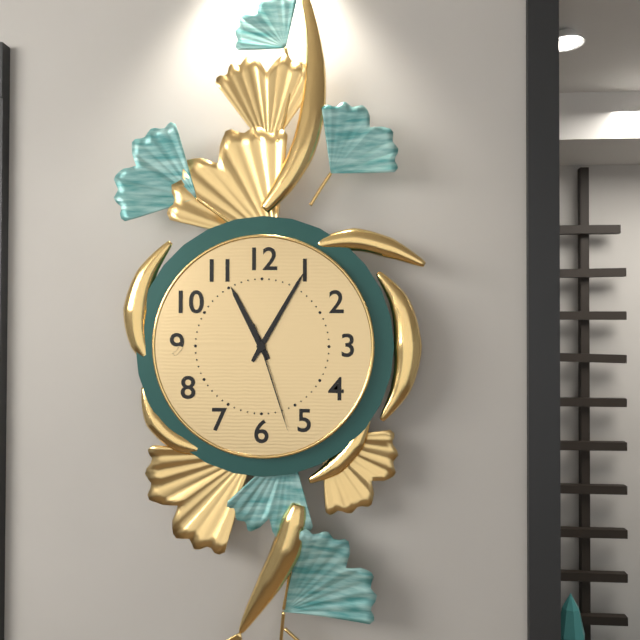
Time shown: {"hour": 11, "minute": 5, "second": 27}
